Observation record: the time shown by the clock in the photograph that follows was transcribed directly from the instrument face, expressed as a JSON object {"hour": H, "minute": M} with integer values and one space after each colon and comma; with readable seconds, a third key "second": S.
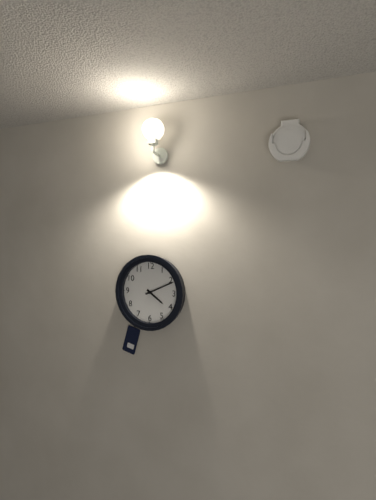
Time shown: {"hour": 4, "minute": 11}
